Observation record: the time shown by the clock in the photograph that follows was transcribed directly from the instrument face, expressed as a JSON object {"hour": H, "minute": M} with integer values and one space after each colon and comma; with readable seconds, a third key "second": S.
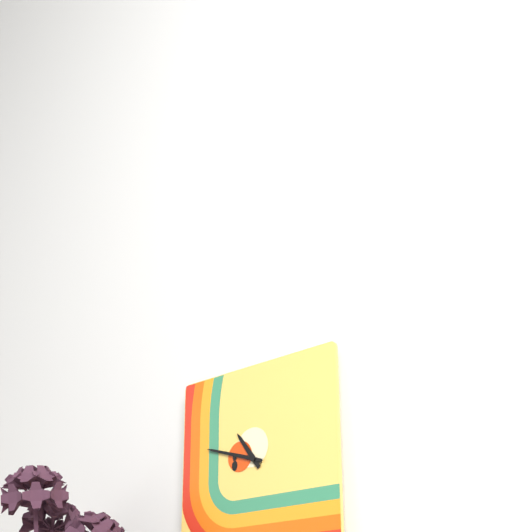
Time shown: {"hour": 10, "minute": 48}
